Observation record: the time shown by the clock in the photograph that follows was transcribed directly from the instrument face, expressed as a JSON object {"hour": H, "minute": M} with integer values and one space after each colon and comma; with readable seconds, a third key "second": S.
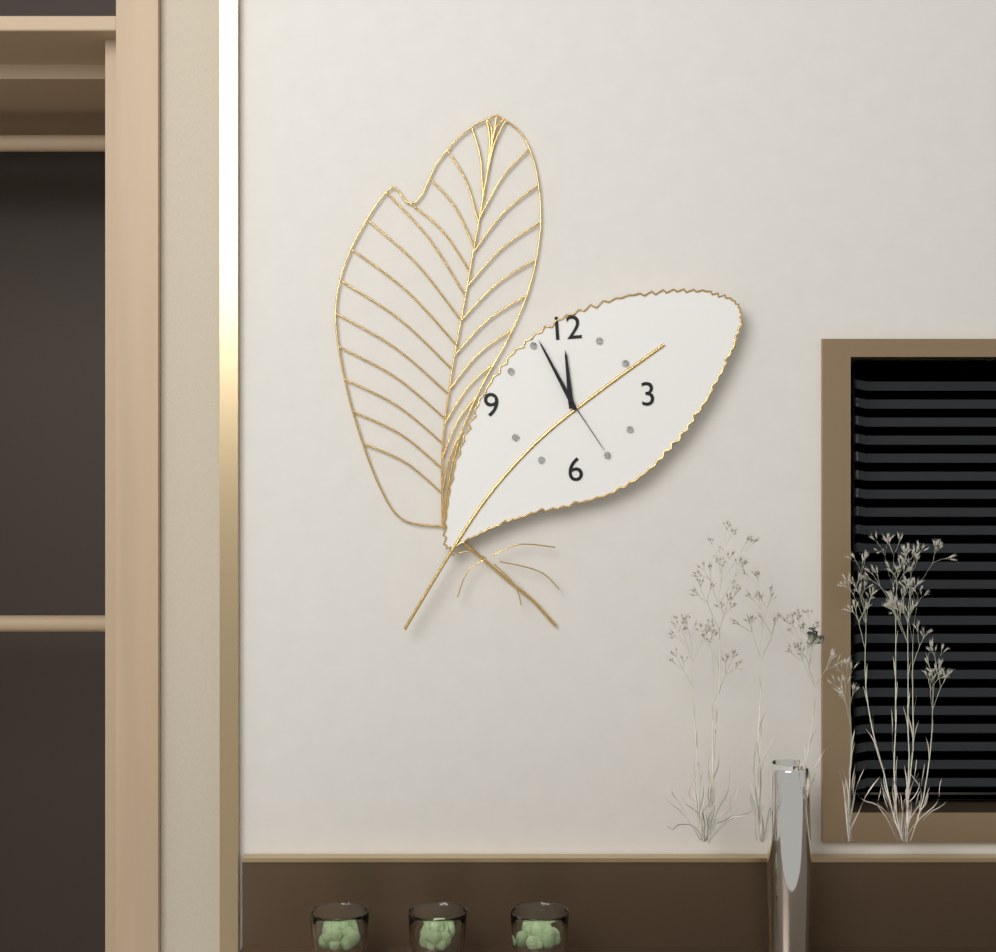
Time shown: {"hour": 11, "minute": 56, "second": 25}
